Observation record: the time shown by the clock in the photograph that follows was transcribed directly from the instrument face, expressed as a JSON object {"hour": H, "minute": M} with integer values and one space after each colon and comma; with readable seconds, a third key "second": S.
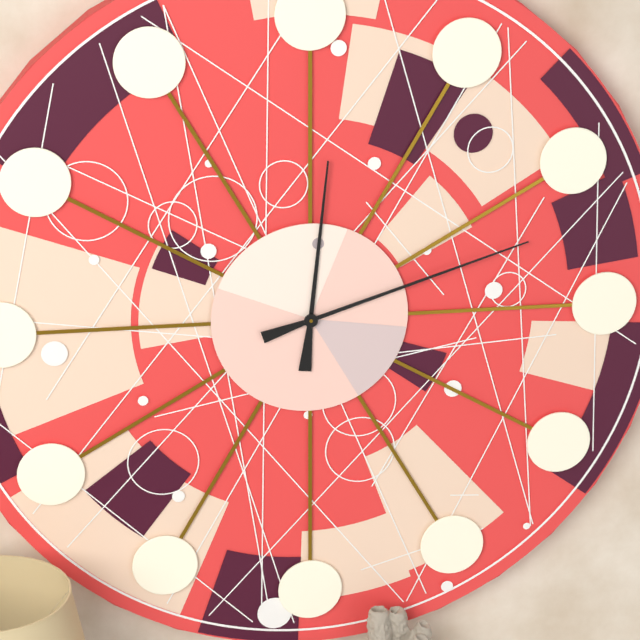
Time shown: {"hour": 12, "minute": 12}
